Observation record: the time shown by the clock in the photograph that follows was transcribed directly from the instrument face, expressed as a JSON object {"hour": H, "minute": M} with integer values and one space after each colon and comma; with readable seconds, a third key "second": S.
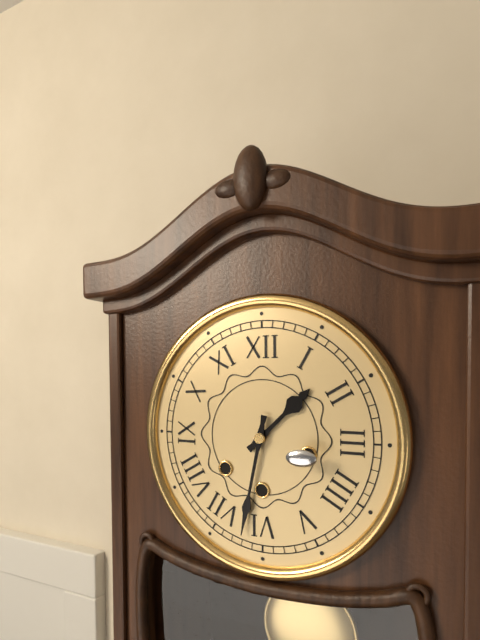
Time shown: {"hour": 1, "minute": 32}
